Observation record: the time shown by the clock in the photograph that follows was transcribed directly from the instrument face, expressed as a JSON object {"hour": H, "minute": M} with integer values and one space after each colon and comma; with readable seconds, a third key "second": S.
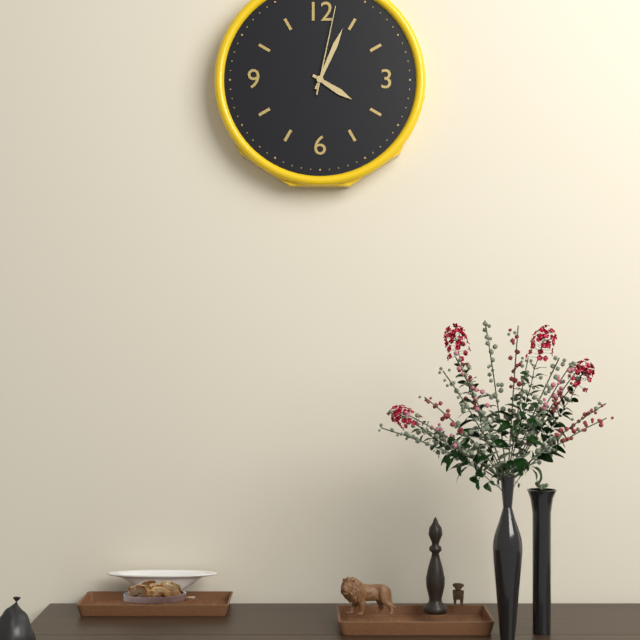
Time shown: {"hour": 4, "minute": 4, "second": 2}
